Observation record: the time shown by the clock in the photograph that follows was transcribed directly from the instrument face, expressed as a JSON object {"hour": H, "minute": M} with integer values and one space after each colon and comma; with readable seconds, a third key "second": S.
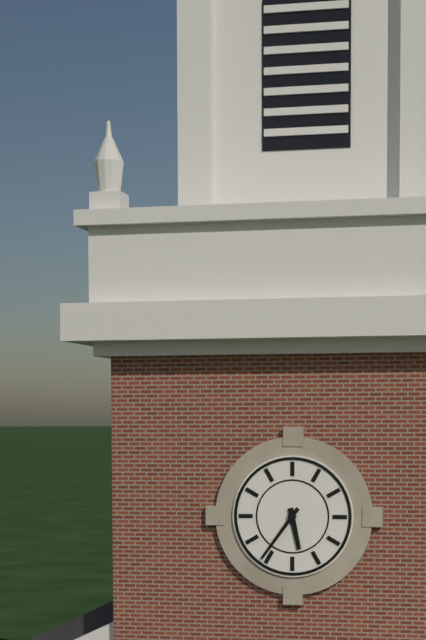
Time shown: {"hour": 5, "minute": 36}
